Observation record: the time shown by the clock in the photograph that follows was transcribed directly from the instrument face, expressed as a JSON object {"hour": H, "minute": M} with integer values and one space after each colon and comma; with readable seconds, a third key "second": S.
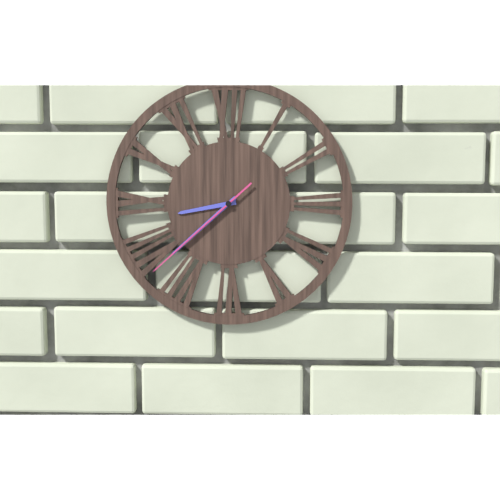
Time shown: {"hour": 8, "minute": 38, "second": 38}
